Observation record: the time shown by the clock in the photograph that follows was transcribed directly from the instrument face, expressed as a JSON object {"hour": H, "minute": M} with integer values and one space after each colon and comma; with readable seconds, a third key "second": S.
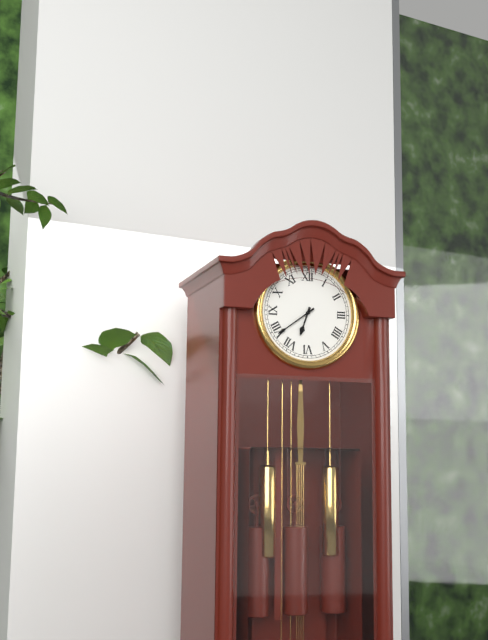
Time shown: {"hour": 6, "minute": 39}
